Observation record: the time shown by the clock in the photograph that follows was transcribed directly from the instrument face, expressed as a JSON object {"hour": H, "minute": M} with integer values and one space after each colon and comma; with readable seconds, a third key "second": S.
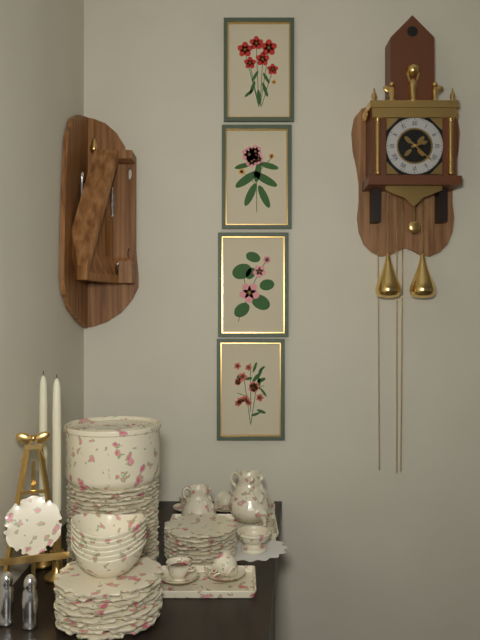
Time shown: {"hour": 2, "minute": 22}
